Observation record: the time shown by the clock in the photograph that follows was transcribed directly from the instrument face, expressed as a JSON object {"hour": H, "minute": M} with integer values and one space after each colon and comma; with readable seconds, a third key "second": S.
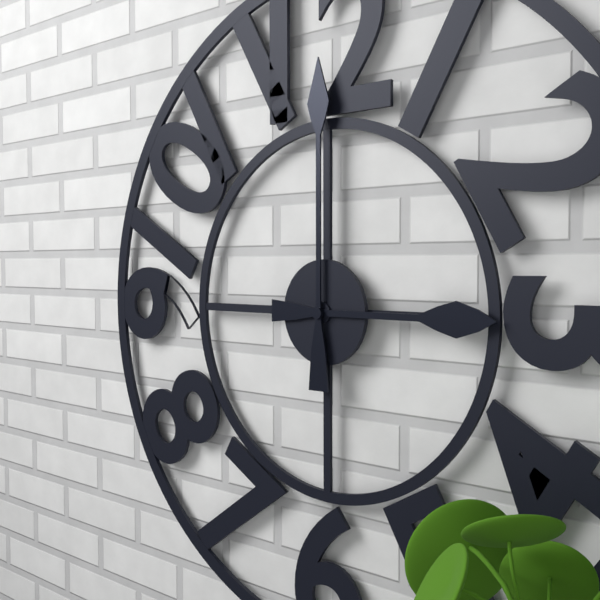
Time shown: {"hour": 3, "minute": 0}
